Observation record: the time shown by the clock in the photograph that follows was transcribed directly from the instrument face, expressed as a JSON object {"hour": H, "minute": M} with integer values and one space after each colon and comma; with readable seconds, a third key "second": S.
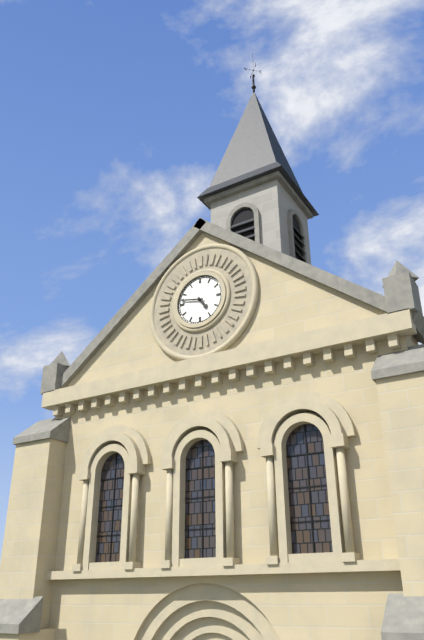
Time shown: {"hour": 4, "minute": 47}
